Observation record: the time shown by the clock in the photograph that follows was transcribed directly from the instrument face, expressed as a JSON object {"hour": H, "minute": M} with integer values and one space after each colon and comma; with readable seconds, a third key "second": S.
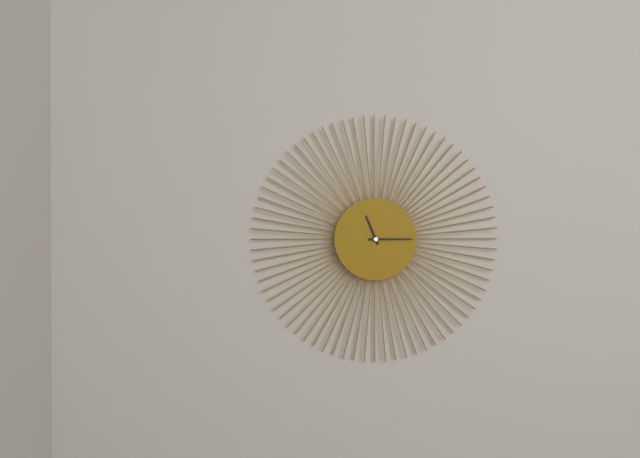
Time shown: {"hour": 11, "minute": 15}
